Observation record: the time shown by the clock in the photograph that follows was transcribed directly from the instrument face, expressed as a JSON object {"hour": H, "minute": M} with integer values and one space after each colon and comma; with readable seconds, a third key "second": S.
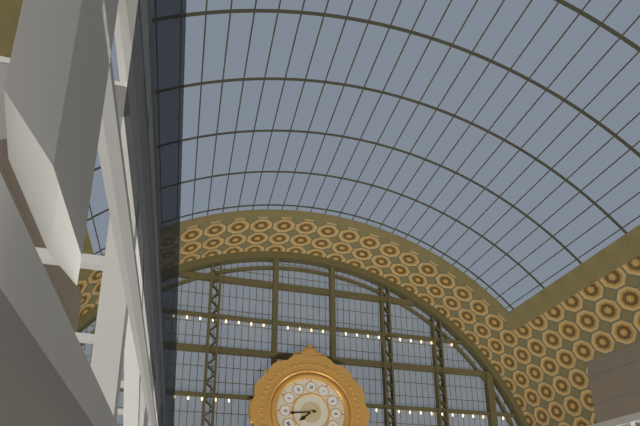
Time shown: {"hour": 7, "minute": 44}
